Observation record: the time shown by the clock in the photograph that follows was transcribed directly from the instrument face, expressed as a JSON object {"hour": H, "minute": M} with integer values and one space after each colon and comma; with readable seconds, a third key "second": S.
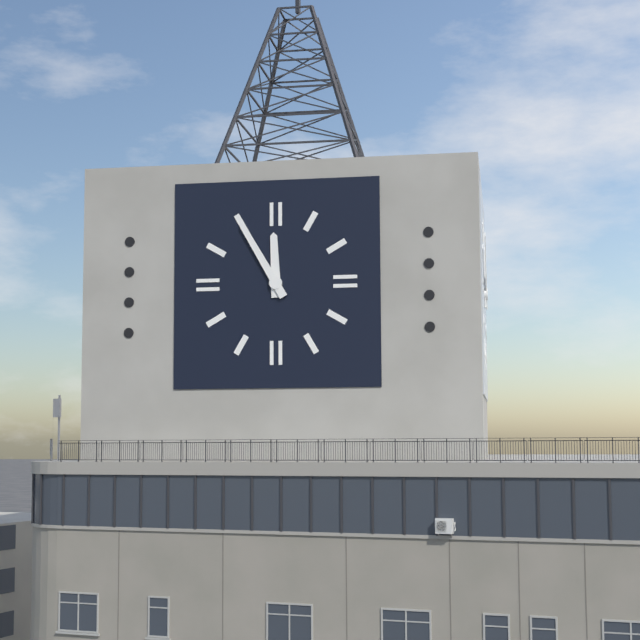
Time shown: {"hour": 11, "minute": 55}
